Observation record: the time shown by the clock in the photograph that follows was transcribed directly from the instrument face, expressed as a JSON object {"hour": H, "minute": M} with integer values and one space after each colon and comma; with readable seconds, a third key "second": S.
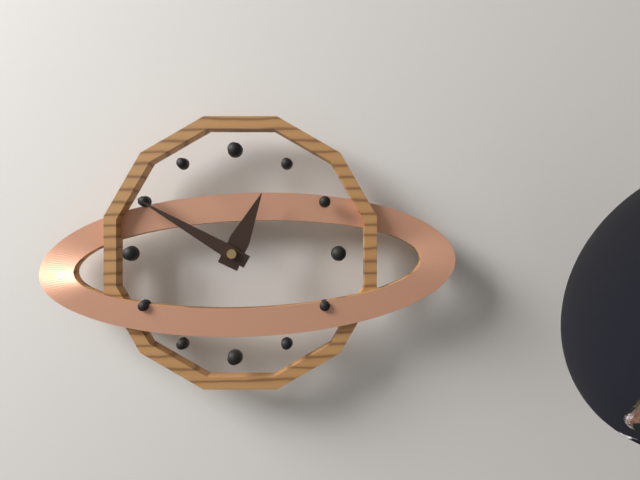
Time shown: {"hour": 12, "minute": 50}
